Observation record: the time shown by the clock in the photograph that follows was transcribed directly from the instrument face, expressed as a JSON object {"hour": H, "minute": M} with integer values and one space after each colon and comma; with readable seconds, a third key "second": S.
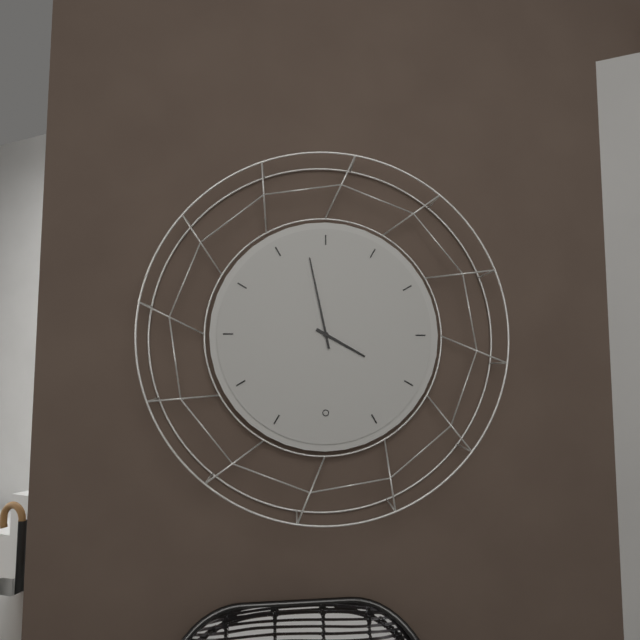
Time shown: {"hour": 3, "minute": 58}
